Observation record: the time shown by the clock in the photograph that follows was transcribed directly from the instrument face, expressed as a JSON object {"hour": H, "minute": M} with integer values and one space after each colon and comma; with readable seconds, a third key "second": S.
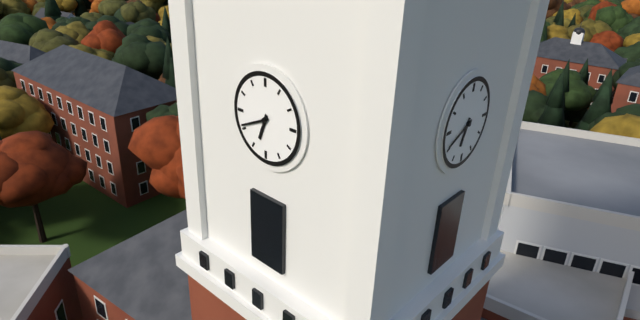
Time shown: {"hour": 6, "minute": 41}
